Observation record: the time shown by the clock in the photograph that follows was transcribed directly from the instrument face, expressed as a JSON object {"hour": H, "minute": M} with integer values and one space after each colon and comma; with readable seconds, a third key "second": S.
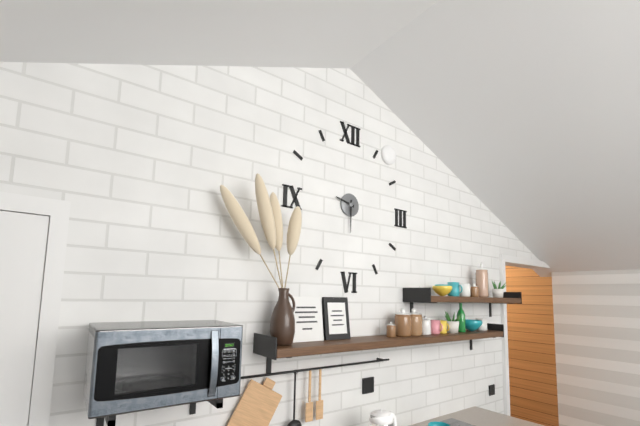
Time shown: {"hour": 9, "minute": 30}
